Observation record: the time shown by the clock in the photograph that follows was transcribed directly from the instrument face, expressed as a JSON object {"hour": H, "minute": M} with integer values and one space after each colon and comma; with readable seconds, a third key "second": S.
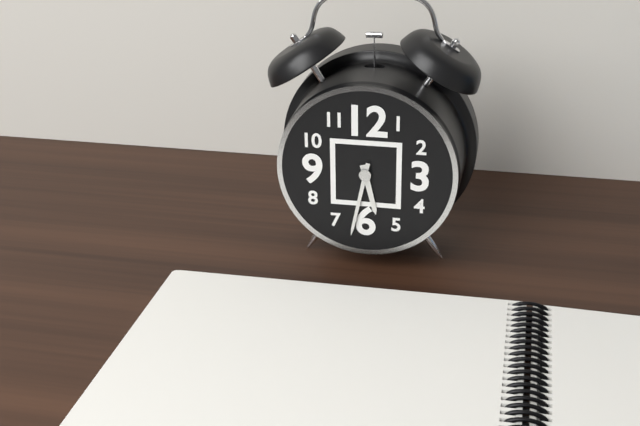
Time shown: {"hour": 5, "minute": 32}
